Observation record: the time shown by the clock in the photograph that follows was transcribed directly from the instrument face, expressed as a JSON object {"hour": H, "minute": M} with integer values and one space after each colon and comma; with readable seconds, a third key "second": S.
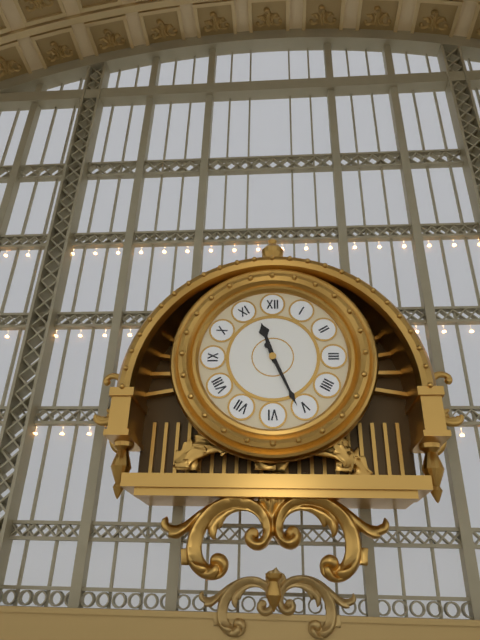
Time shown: {"hour": 11, "minute": 26}
